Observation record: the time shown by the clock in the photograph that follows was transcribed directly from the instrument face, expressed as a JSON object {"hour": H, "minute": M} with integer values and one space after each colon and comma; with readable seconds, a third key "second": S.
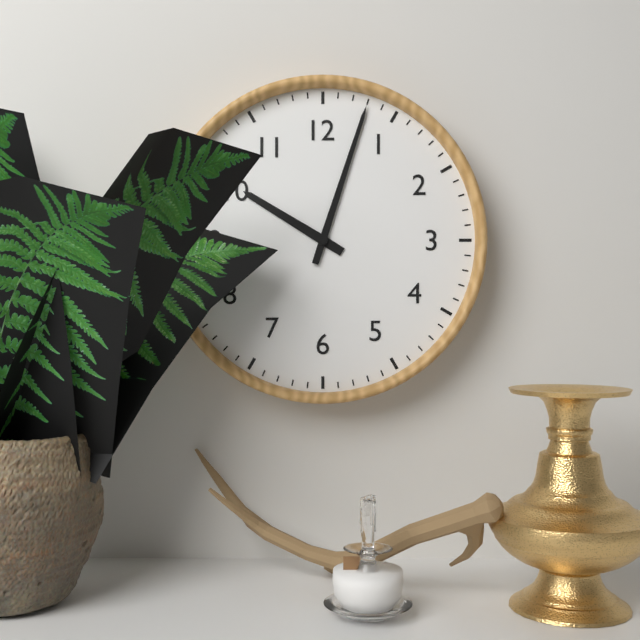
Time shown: {"hour": 10, "minute": 3}
